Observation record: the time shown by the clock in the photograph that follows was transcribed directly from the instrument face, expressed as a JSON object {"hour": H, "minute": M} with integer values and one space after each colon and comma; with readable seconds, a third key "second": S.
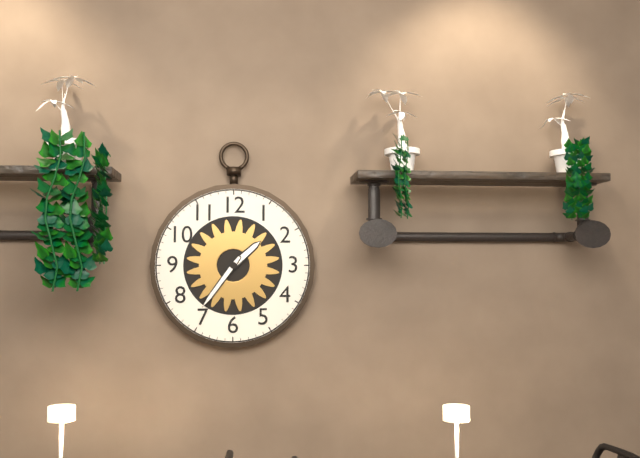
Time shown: {"hour": 1, "minute": 36}
